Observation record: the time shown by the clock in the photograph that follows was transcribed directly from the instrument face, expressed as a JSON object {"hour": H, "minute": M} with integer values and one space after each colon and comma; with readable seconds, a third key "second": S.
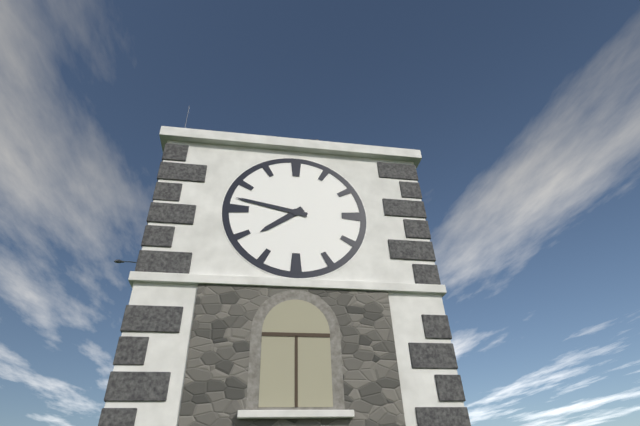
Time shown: {"hour": 7, "minute": 47}
